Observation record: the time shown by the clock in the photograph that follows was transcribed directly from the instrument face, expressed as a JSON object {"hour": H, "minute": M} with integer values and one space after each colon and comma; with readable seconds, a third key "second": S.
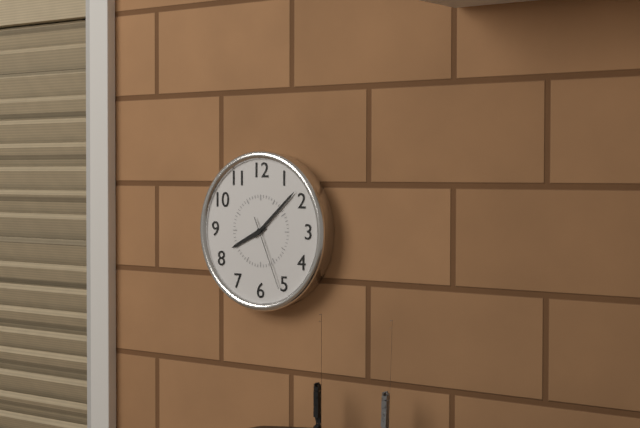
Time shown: {"hour": 8, "minute": 8, "second": 26}
